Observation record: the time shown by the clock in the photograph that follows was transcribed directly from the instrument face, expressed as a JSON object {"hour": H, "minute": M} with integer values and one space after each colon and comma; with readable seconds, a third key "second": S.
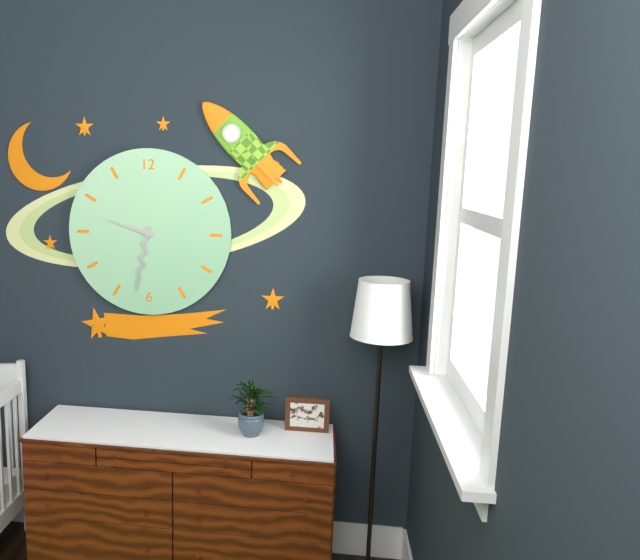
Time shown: {"hour": 9, "minute": 32}
